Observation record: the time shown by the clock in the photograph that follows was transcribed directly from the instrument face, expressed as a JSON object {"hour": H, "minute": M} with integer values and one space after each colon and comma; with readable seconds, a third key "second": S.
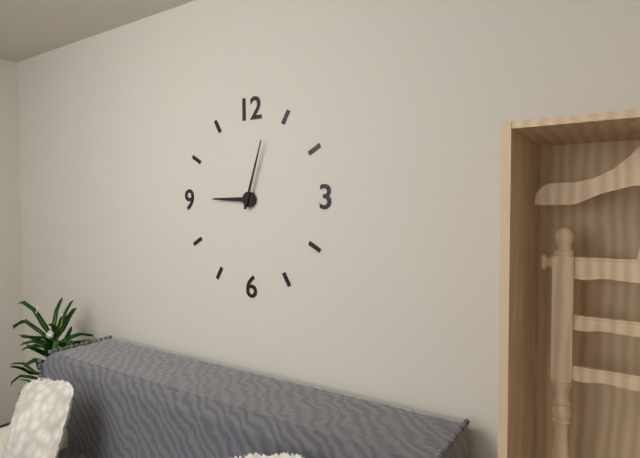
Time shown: {"hour": 9, "minute": 3}
